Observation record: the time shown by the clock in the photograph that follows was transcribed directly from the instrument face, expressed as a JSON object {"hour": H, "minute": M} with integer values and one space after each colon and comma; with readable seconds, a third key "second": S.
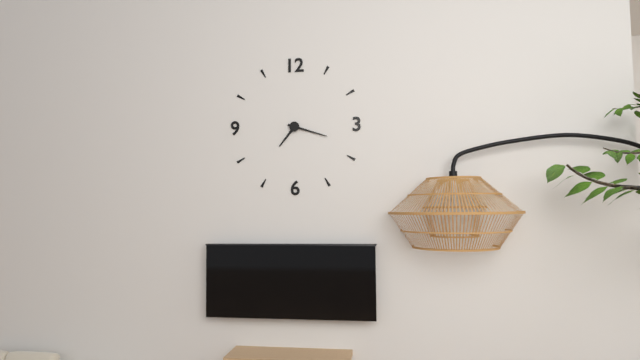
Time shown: {"hour": 7, "minute": 18}
